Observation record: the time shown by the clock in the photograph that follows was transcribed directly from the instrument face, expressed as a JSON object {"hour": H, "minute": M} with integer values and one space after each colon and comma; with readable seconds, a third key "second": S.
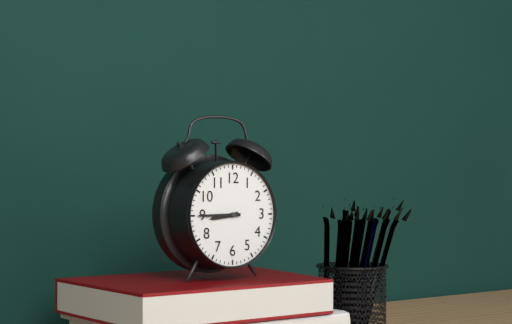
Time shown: {"hour": 8, "minute": 45}
